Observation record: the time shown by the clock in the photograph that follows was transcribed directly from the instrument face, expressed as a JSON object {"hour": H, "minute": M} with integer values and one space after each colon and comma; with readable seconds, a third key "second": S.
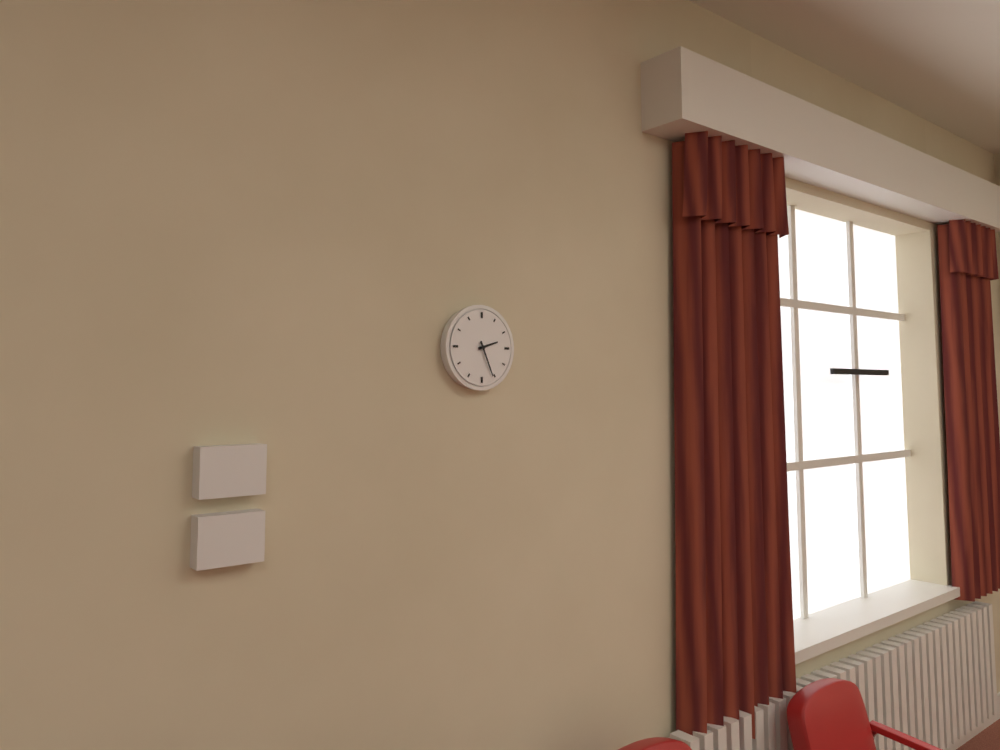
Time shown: {"hour": 2, "minute": 26}
